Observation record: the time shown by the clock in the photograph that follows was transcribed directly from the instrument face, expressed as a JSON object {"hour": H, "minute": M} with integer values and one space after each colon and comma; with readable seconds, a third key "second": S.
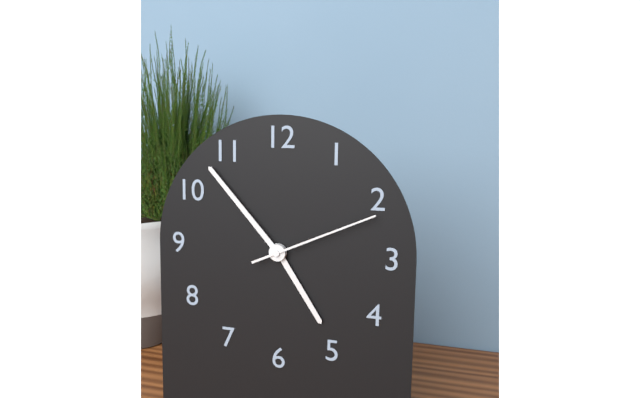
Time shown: {"hour": 4, "minute": 53, "second": 11}
